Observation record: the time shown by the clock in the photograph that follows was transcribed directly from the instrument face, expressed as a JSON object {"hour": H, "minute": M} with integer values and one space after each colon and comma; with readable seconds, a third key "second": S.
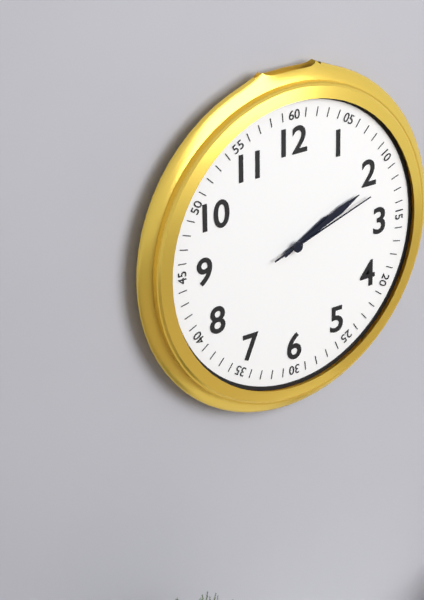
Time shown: {"hour": 2, "minute": 11, "second": 12}
